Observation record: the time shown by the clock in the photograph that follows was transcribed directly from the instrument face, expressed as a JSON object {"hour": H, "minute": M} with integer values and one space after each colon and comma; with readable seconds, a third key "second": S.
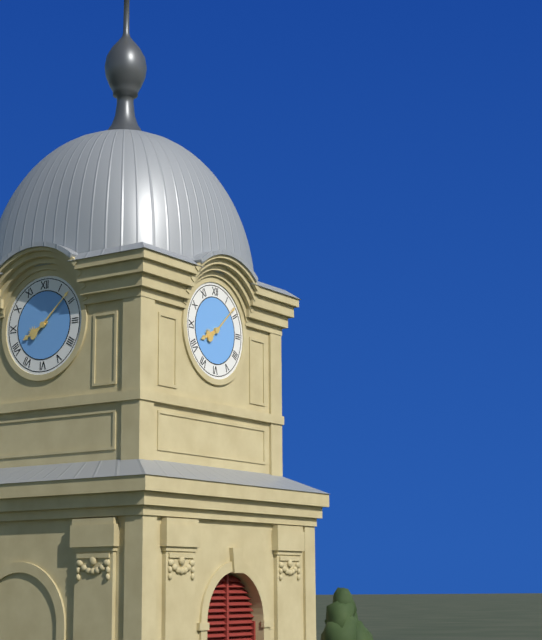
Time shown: {"hour": 8, "minute": 8}
